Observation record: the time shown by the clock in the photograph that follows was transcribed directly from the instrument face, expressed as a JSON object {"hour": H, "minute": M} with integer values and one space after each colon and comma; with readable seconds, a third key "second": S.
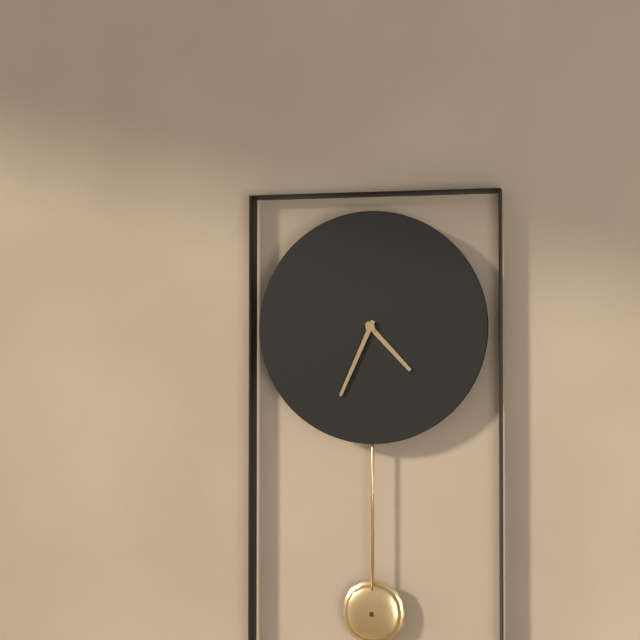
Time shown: {"hour": 4, "minute": 34}
